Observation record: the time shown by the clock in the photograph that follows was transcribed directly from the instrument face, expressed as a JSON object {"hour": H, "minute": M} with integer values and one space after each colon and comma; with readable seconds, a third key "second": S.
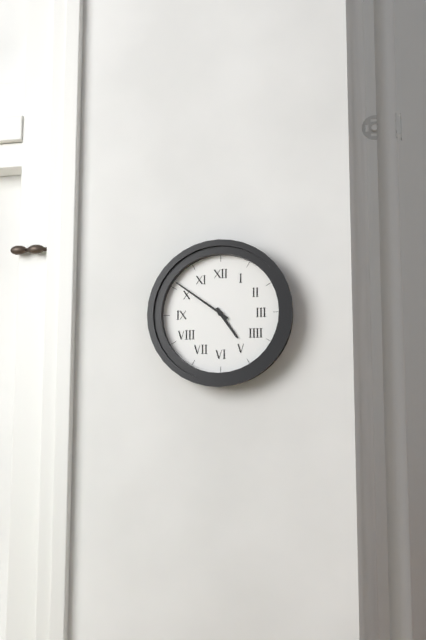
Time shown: {"hour": 4, "minute": 51}
